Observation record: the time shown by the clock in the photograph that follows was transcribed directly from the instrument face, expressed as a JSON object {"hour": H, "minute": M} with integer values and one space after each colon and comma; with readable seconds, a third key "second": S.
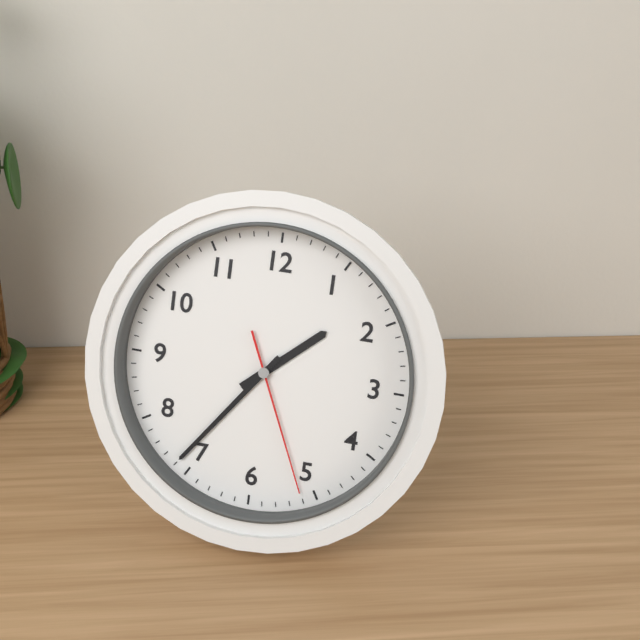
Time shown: {"hour": 1, "minute": 36, "second": 26}
